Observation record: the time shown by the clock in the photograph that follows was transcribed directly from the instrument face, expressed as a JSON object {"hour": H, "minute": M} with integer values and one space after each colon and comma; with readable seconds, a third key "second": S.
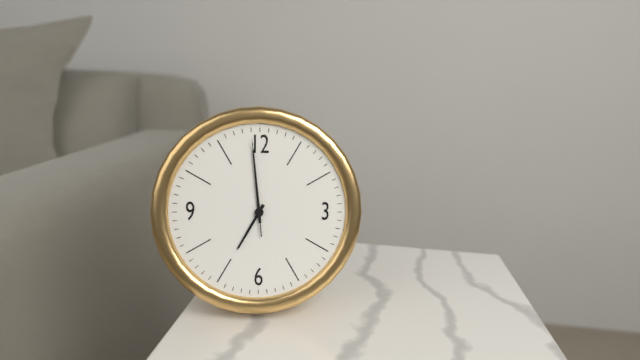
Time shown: {"hour": 6, "minute": 59, "second": 59}
